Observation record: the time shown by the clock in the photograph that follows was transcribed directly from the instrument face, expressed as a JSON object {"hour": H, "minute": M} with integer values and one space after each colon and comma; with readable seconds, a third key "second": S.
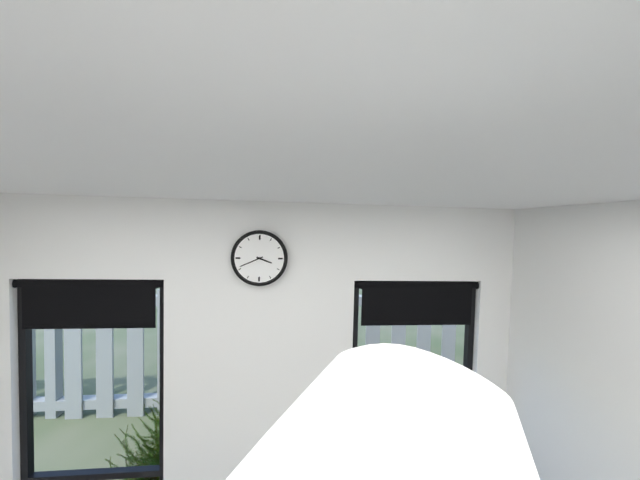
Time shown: {"hour": 3, "minute": 41}
